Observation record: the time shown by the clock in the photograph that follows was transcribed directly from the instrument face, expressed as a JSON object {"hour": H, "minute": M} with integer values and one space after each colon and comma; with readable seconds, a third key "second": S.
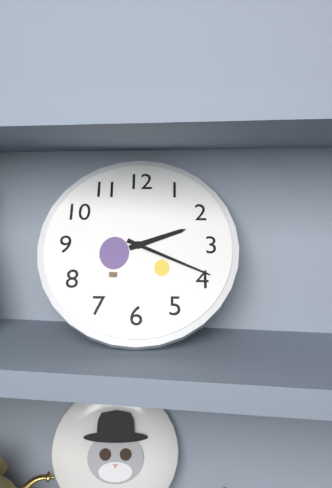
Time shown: {"hour": 2, "minute": 19}
